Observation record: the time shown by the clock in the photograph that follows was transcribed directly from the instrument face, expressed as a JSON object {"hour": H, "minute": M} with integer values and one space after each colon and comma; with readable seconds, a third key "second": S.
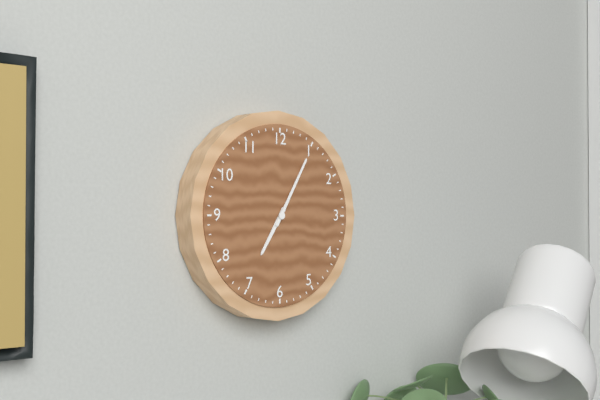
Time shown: {"hour": 7, "minute": 5}
